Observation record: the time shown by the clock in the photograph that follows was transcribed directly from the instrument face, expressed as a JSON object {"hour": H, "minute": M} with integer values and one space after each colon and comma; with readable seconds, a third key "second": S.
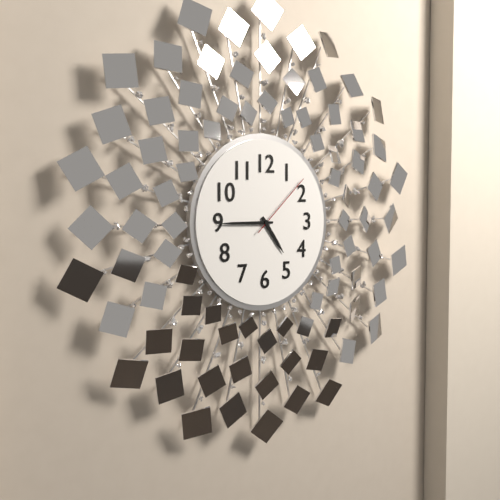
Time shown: {"hour": 4, "minute": 45, "second": 8}
